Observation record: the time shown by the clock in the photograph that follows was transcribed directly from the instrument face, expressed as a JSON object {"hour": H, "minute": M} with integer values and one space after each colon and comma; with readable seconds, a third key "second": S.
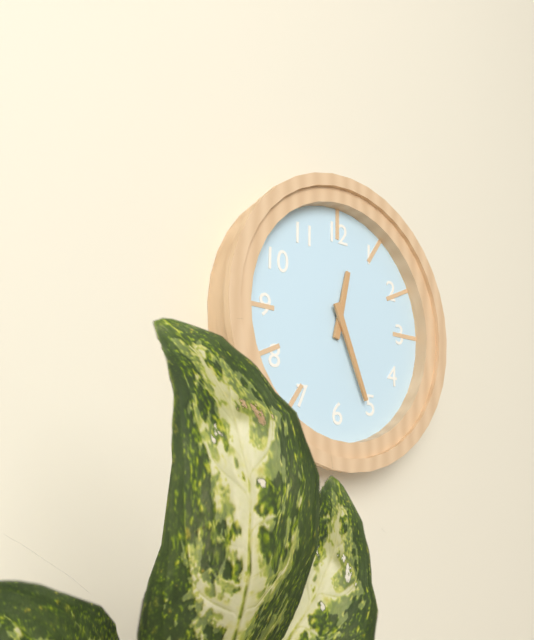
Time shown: {"hour": 12, "minute": 26}
